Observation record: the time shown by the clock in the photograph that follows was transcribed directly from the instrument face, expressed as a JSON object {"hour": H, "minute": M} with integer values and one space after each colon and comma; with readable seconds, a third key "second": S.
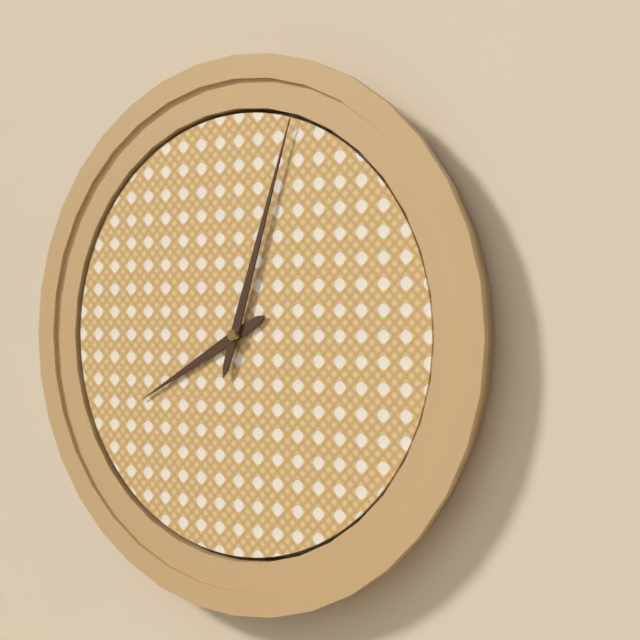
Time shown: {"hour": 8, "minute": 3}
